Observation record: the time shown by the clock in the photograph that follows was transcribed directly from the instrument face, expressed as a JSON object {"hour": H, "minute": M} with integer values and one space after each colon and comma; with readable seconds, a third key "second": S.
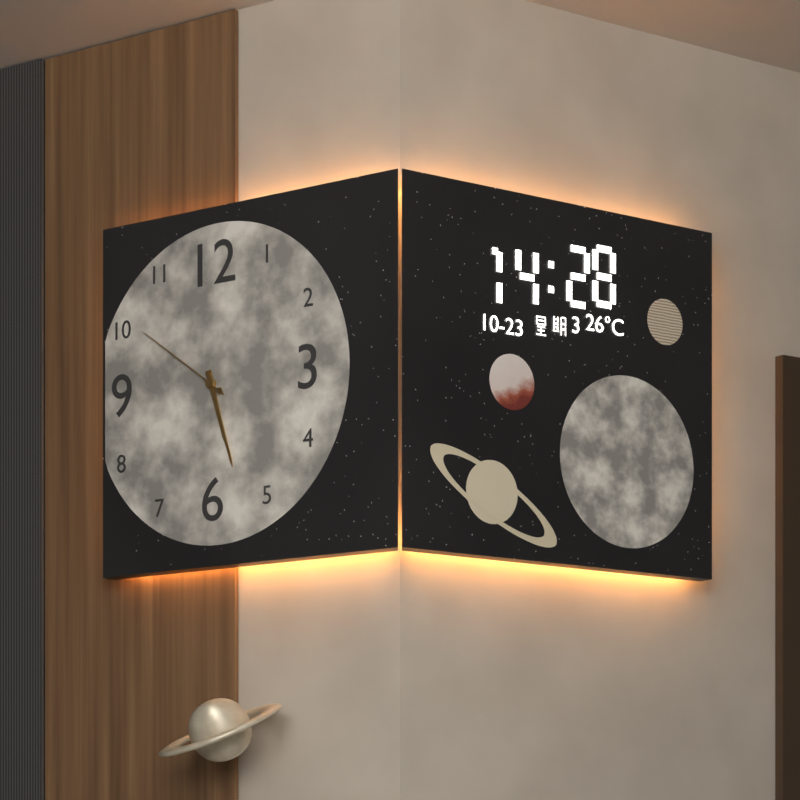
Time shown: {"hour": 5, "minute": 27, "second": 51}
